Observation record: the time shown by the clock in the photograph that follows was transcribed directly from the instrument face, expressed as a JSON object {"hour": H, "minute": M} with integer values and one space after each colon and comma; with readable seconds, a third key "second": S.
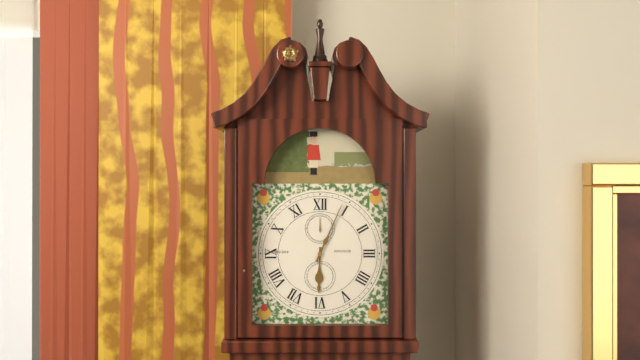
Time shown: {"hour": 6, "minute": 4}
